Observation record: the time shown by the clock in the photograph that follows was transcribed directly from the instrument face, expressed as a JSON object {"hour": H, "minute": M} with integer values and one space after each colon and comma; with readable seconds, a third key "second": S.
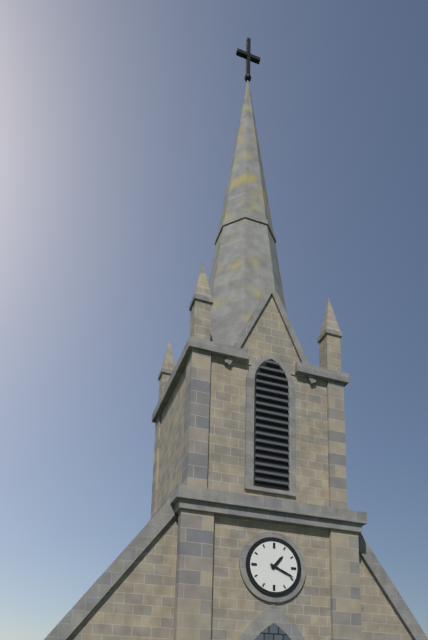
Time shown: {"hour": 1, "minute": 19}
